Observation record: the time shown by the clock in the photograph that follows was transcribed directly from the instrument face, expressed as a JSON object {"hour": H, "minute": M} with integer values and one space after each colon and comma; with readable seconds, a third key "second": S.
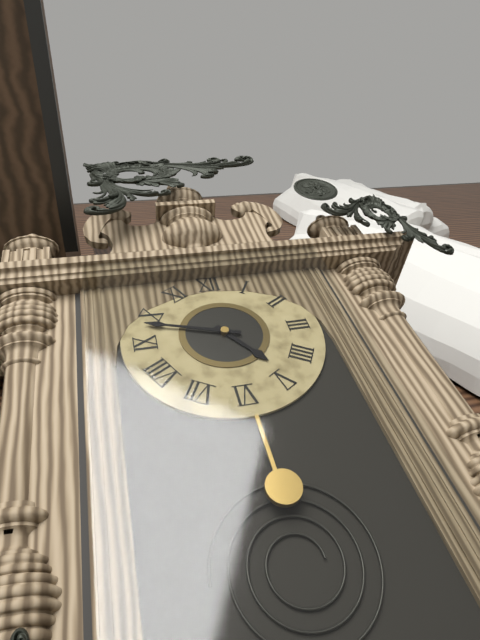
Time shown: {"hour": 4, "minute": 48}
